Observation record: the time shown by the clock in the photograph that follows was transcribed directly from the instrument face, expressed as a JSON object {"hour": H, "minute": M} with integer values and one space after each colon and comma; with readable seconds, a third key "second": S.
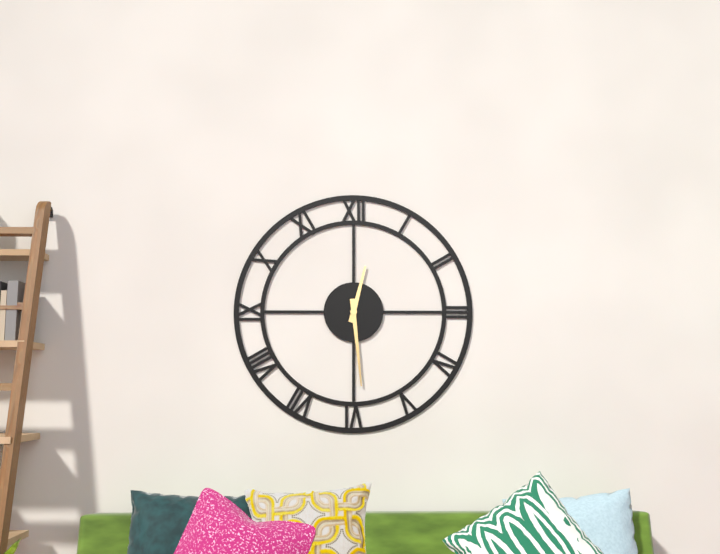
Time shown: {"hour": 12, "minute": 29}
